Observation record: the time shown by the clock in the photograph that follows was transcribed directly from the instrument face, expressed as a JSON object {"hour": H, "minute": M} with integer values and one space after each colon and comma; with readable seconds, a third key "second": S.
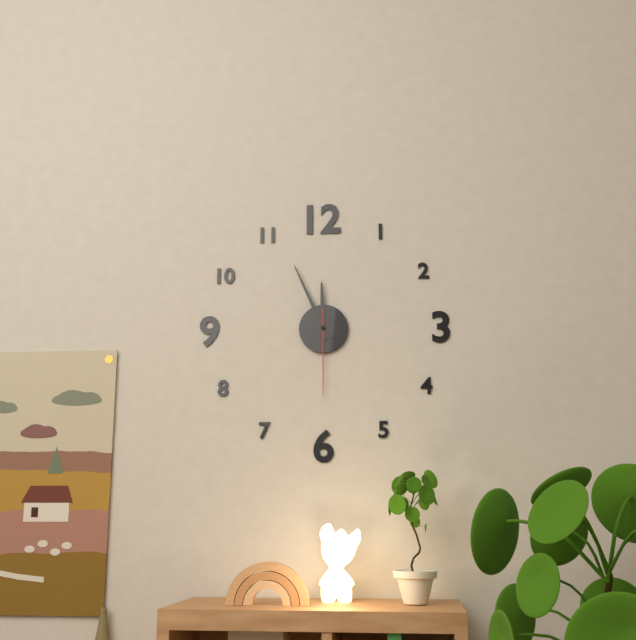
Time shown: {"hour": 11, "minute": 56, "second": 30}
